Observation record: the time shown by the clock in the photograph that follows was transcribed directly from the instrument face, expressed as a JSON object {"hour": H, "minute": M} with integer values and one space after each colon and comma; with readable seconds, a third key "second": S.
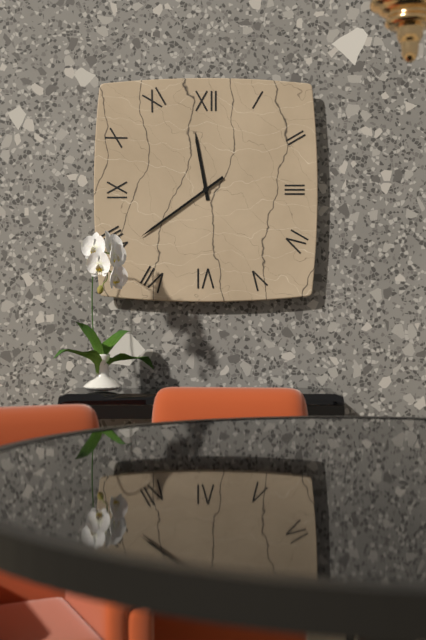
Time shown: {"hour": 11, "minute": 39}
